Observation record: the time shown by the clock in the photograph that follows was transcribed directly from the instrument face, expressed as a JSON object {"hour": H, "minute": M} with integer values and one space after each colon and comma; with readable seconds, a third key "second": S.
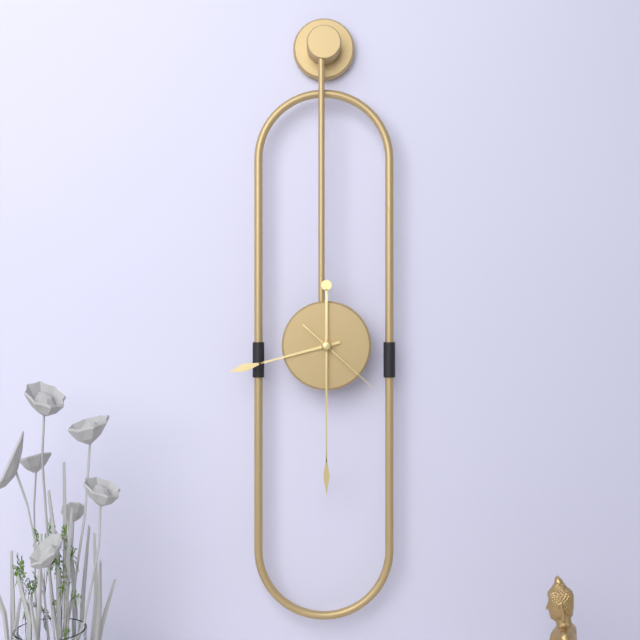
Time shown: {"hour": 8, "minute": 30, "second": 22}
